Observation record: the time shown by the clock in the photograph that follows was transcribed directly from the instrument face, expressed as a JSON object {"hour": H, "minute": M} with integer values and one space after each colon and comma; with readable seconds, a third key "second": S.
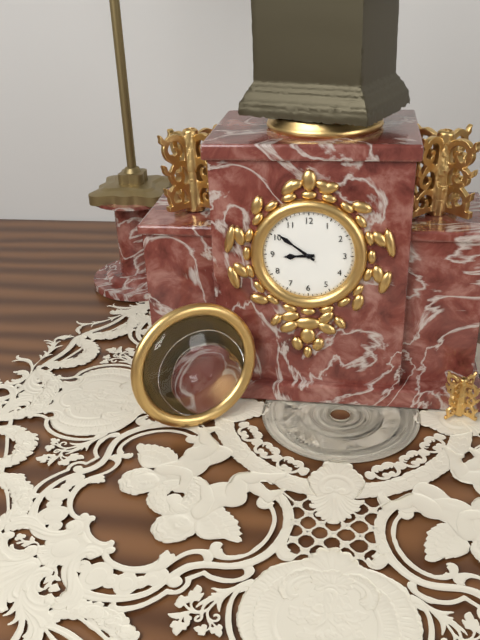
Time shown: {"hour": 8, "minute": 51}
